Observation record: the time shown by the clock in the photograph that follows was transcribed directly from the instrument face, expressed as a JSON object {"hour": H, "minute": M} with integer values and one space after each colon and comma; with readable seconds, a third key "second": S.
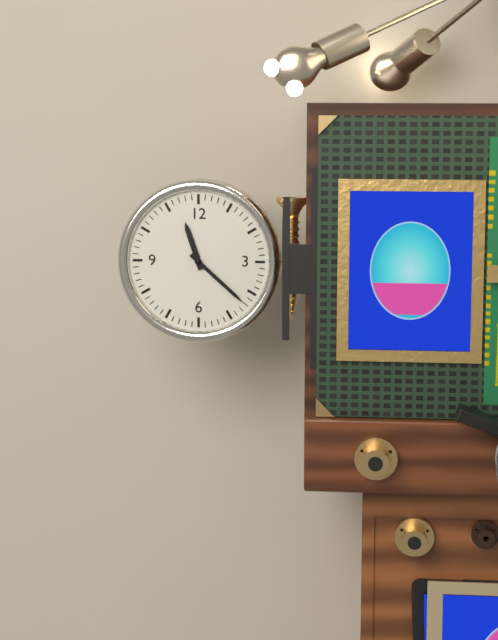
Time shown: {"hour": 11, "minute": 22}
